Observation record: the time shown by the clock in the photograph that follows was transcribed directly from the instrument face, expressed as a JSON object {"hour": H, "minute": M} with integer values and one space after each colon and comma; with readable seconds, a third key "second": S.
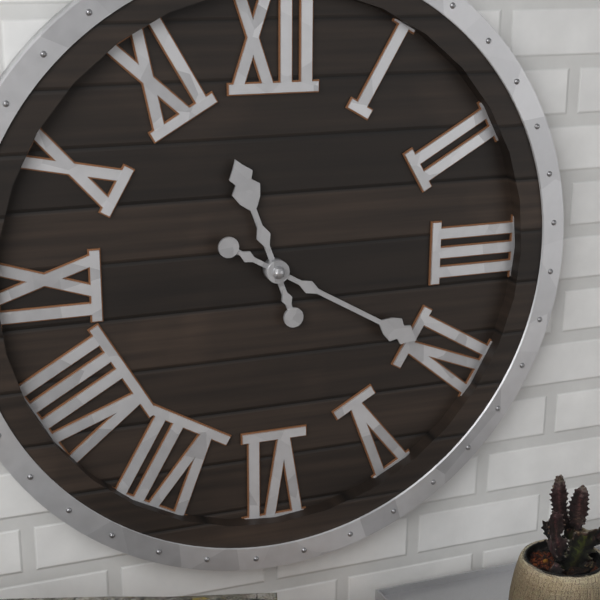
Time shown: {"hour": 11, "minute": 20}
